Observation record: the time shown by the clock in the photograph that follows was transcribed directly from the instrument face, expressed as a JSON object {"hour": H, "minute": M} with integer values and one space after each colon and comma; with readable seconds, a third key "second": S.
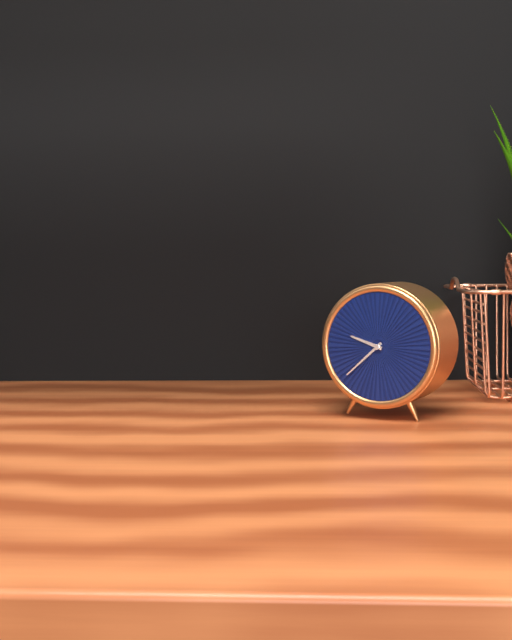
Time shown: {"hour": 9, "minute": 38}
